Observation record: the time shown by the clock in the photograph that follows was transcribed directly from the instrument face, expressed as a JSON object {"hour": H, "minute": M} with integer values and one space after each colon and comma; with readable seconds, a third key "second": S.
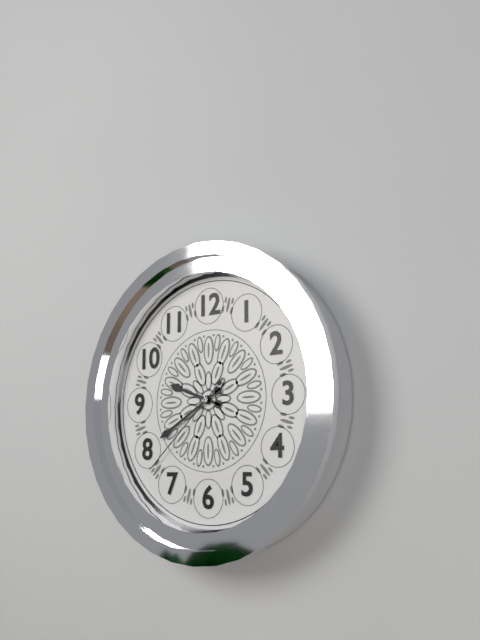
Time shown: {"hour": 9, "minute": 40, "second": 38}
